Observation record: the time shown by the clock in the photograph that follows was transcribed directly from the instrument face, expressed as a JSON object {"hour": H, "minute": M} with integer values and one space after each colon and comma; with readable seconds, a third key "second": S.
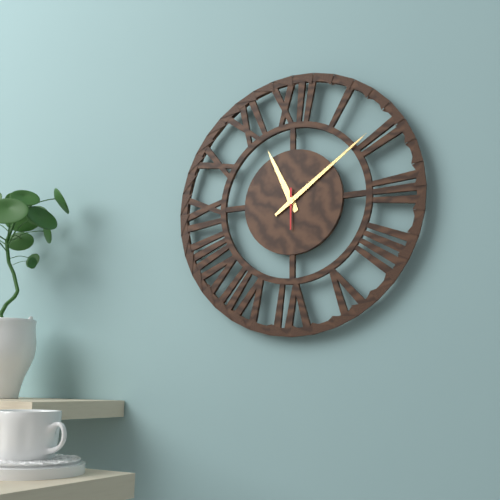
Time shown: {"hour": 11, "minute": 9}
